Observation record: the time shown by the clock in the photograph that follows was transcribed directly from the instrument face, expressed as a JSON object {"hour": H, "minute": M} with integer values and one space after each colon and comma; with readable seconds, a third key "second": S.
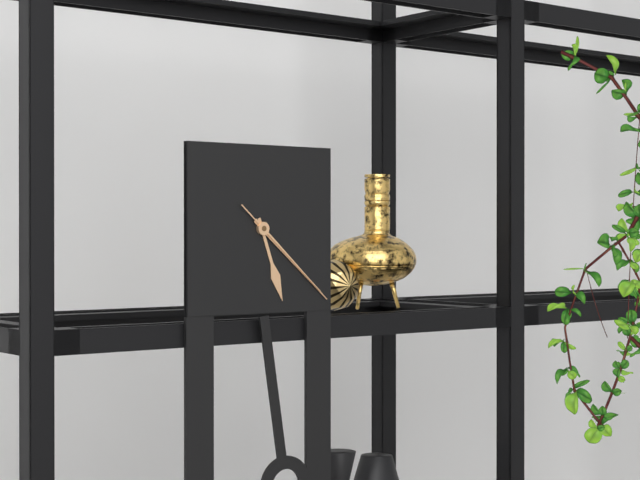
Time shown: {"hour": 5, "minute": 22, "second": 22}
